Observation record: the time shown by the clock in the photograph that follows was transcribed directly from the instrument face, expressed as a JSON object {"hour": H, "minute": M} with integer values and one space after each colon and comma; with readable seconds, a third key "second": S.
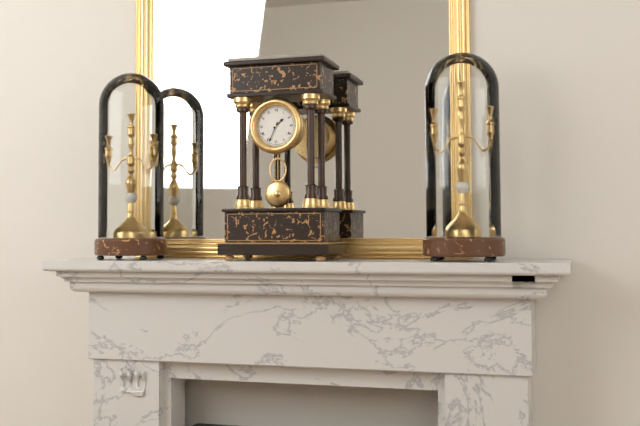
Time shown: {"hour": 1, "minute": 34}
